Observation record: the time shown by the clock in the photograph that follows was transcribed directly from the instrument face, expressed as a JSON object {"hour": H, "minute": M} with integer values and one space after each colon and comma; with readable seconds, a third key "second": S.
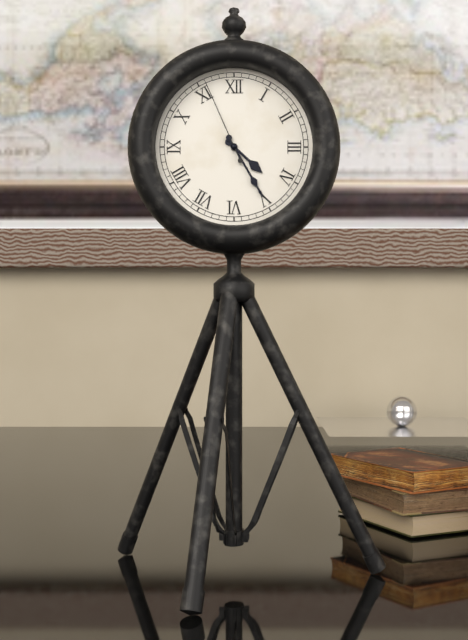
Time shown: {"hour": 4, "minute": 25, "second": 56}
